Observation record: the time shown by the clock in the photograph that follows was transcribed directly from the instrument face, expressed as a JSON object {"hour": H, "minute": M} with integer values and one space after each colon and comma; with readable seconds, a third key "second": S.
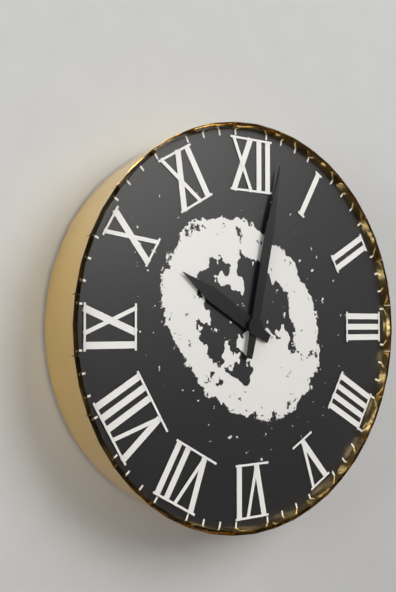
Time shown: {"hour": 10, "minute": 2}
